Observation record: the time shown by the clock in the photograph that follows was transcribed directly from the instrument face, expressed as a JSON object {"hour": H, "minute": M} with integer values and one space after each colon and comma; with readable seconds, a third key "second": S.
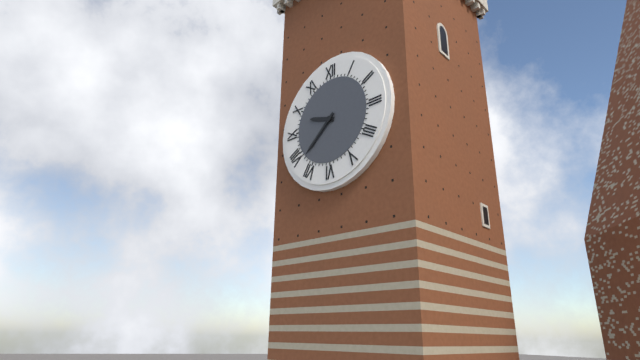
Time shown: {"hour": 9, "minute": 38}
